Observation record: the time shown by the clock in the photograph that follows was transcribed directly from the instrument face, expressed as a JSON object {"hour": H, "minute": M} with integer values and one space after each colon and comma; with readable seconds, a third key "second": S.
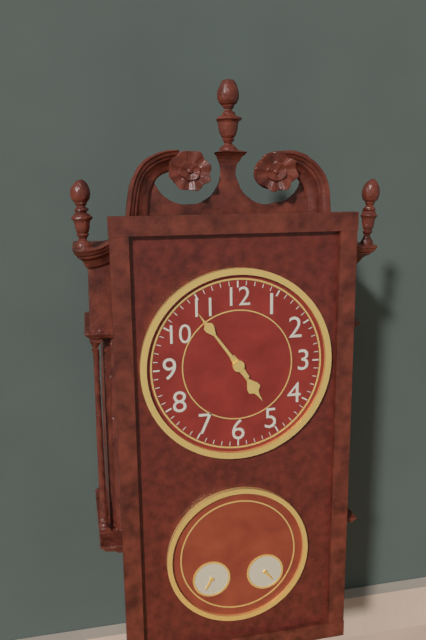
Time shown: {"hour": 4, "minute": 54}
